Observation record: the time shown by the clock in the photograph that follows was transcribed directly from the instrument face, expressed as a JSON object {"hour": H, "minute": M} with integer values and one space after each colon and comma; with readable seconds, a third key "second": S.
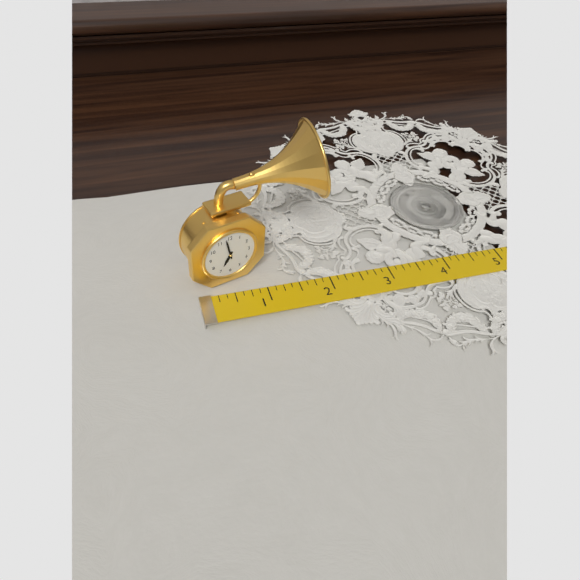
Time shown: {"hour": 6, "minute": 58}
